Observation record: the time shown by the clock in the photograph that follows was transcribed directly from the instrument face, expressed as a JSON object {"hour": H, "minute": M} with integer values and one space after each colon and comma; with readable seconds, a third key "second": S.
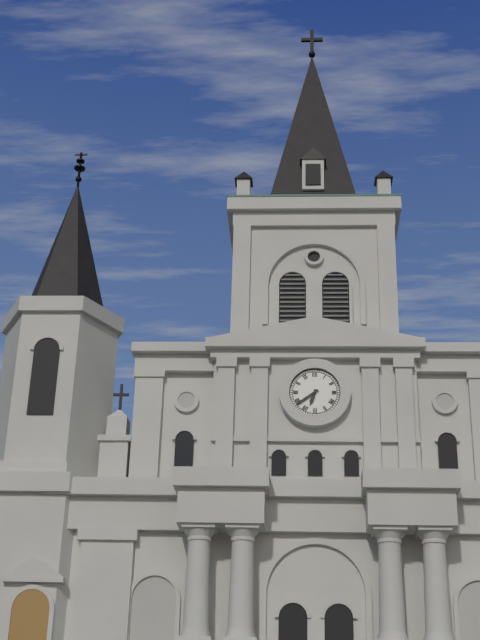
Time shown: {"hour": 6, "minute": 39}
